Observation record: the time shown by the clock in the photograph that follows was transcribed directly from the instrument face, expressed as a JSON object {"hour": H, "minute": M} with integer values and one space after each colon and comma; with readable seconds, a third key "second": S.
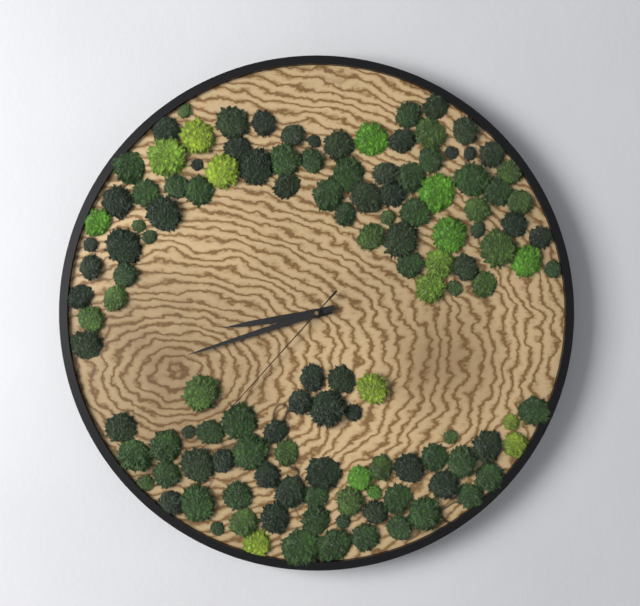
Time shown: {"hour": 8, "minute": 42, "second": 37}
